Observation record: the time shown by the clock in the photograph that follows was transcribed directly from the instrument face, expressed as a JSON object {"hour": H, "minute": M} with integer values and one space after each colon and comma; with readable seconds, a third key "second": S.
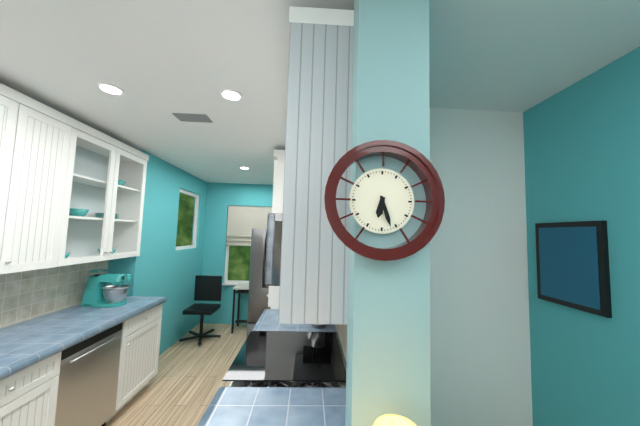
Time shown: {"hour": 6, "minute": 27}
